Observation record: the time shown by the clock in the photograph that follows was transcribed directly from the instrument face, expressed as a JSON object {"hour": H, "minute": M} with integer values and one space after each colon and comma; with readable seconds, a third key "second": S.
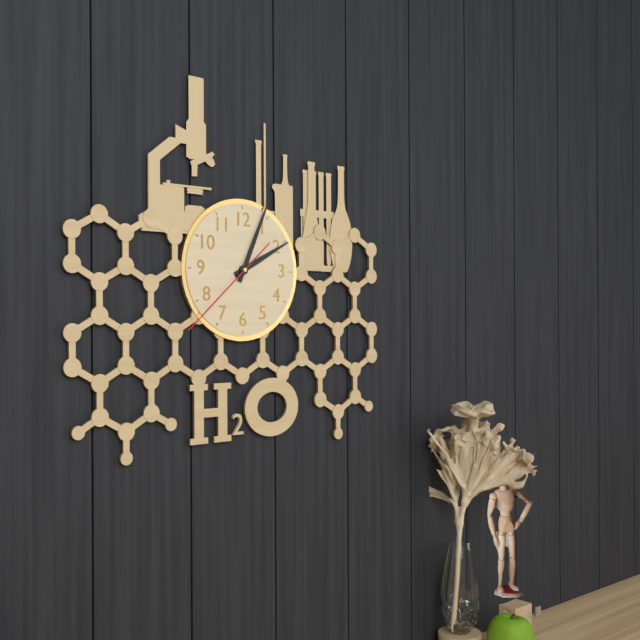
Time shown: {"hour": 2, "minute": 4, "second": 38}
